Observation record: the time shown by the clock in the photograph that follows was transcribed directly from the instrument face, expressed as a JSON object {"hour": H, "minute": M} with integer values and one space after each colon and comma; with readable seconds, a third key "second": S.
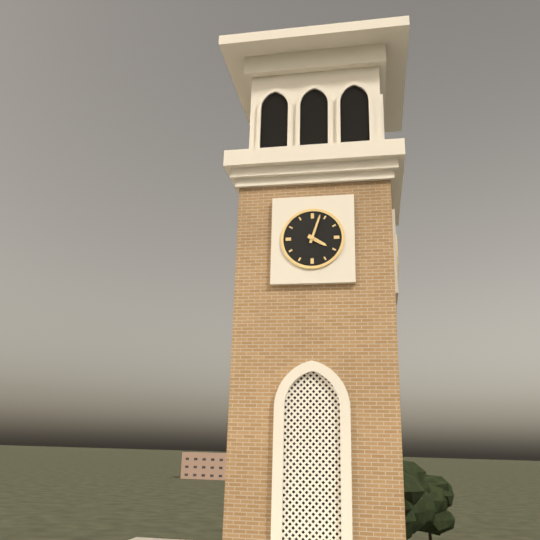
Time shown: {"hour": 4, "minute": 3}
